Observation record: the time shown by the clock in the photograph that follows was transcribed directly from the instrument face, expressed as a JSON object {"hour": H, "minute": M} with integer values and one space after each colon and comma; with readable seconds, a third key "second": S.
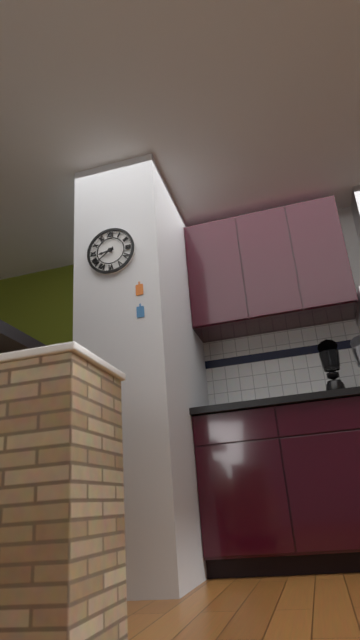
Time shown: {"hour": 8, "minute": 39}
